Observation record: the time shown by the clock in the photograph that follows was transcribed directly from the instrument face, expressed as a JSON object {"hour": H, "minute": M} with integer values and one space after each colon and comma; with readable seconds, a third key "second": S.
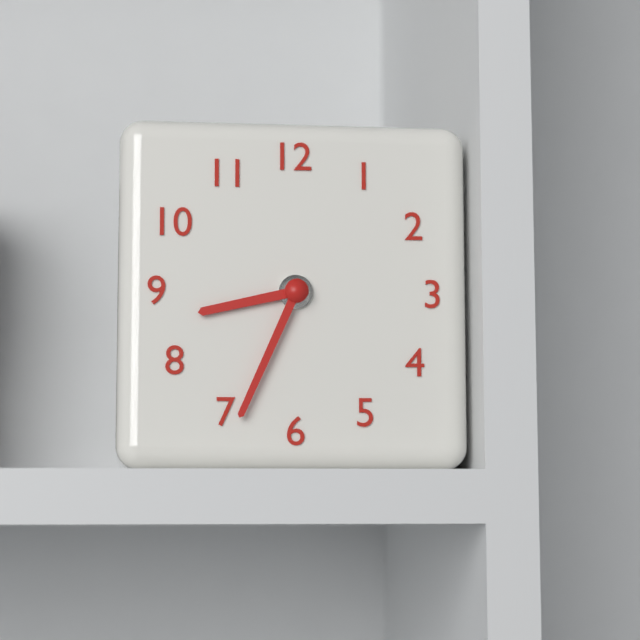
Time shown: {"hour": 8, "minute": 34}
